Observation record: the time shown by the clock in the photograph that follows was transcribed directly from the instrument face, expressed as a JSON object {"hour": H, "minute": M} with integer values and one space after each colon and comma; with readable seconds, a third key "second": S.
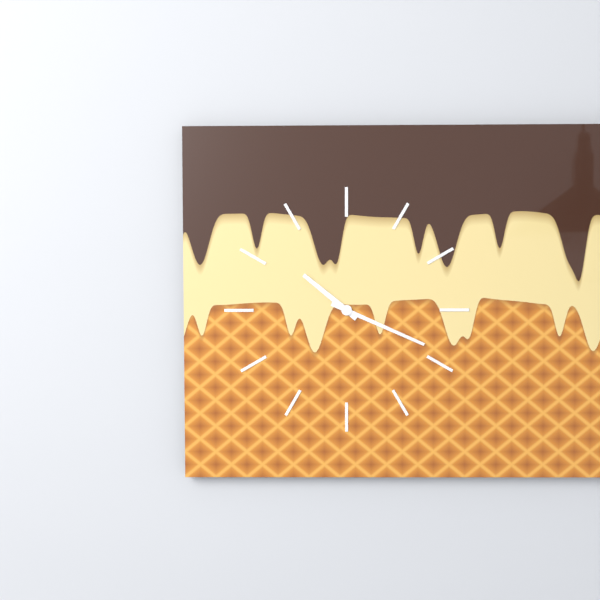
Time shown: {"hour": 10, "minute": 19}
